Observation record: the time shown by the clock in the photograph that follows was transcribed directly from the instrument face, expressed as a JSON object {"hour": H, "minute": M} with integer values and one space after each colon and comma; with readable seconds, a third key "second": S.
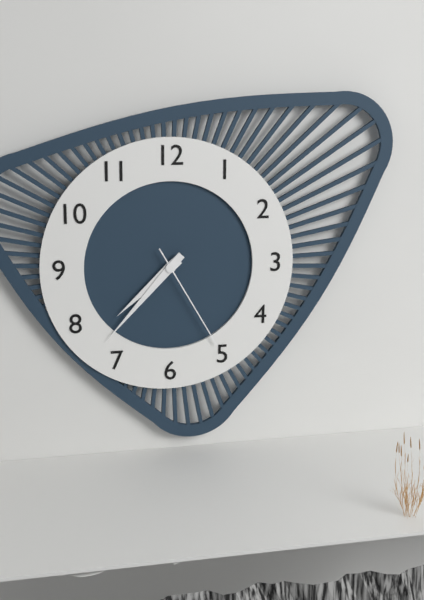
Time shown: {"hour": 7, "minute": 37, "second": 25}
